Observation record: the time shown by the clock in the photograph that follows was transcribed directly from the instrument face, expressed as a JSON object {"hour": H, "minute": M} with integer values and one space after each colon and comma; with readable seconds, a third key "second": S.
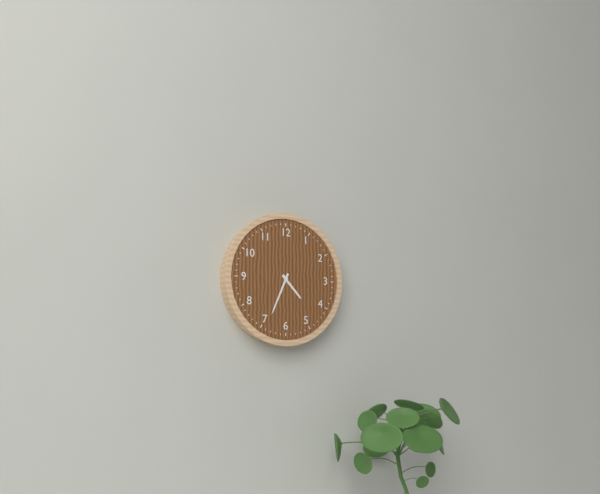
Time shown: {"hour": 4, "minute": 34}
